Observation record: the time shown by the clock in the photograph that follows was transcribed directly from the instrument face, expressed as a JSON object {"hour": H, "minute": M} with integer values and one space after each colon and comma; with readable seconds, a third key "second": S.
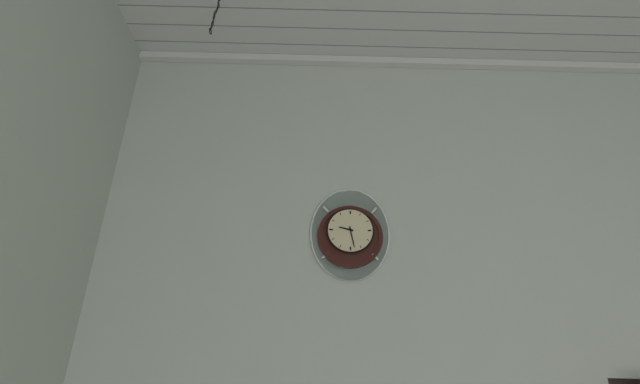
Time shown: {"hour": 9, "minute": 28}
